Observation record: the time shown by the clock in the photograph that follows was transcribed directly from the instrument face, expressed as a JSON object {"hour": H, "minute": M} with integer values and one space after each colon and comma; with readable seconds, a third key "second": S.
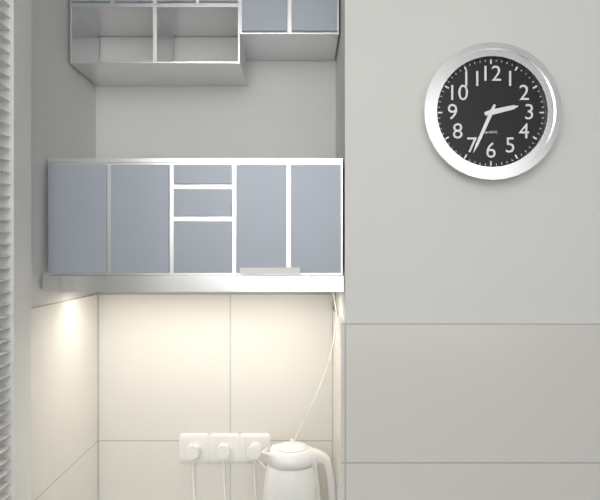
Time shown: {"hour": 2, "minute": 34}
